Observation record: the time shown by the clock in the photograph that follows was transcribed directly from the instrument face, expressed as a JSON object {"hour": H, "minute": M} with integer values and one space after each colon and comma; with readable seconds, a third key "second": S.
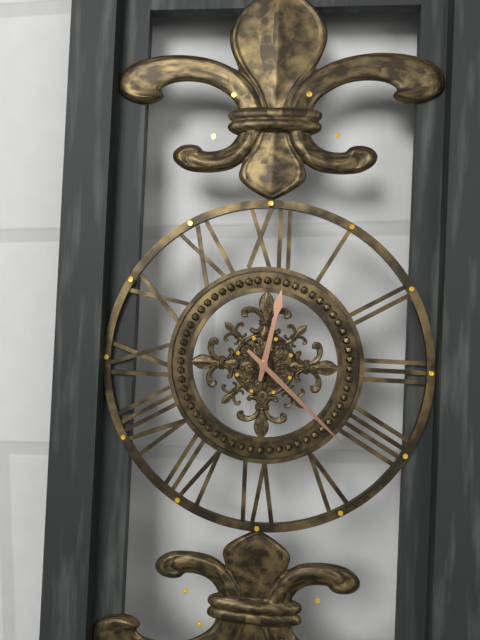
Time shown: {"hour": 12, "minute": 22}
